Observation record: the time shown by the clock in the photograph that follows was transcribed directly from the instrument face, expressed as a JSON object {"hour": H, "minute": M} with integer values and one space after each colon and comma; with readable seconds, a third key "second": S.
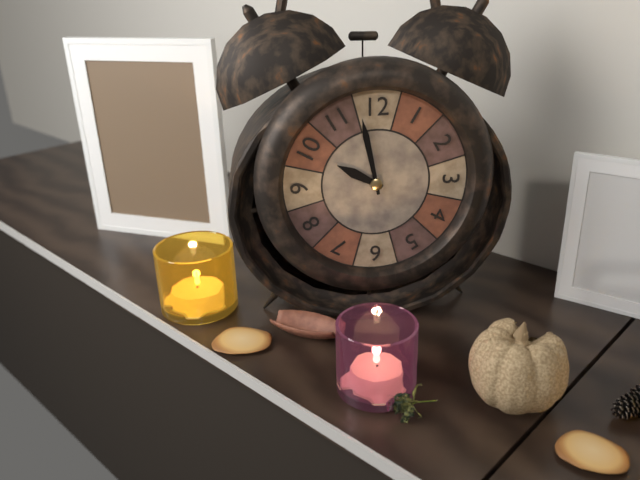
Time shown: {"hour": 9, "minute": 58}
